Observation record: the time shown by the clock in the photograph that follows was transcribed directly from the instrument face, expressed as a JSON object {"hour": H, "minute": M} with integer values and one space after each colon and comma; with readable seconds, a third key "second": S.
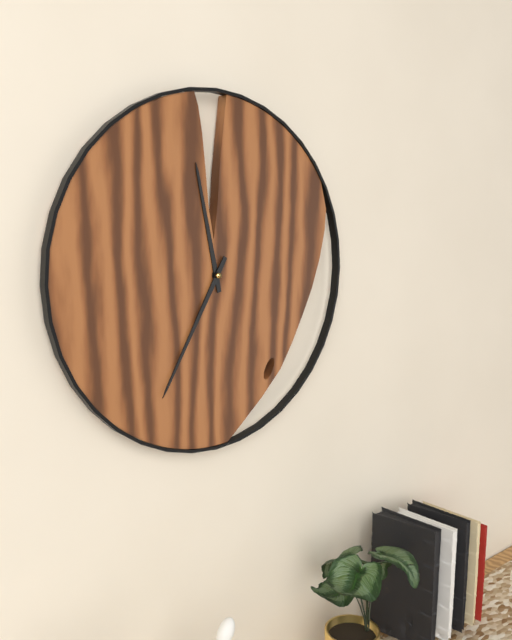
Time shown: {"hour": 11, "minute": 35}
